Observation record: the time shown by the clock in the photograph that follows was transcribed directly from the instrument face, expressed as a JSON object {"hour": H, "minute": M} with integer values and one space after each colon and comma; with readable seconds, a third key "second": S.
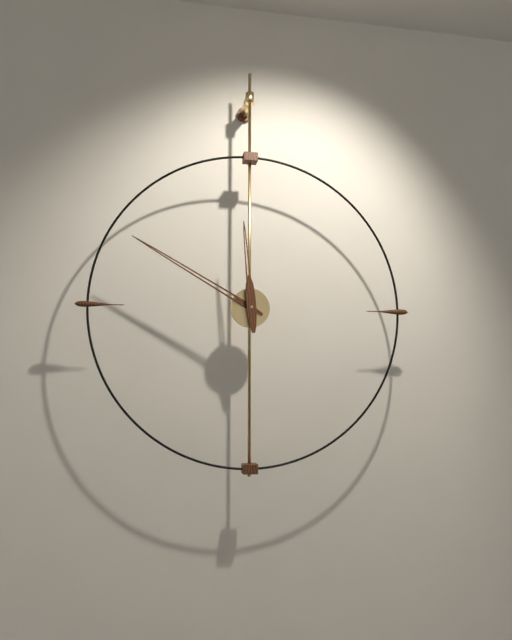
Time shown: {"hour": 11, "minute": 50}
